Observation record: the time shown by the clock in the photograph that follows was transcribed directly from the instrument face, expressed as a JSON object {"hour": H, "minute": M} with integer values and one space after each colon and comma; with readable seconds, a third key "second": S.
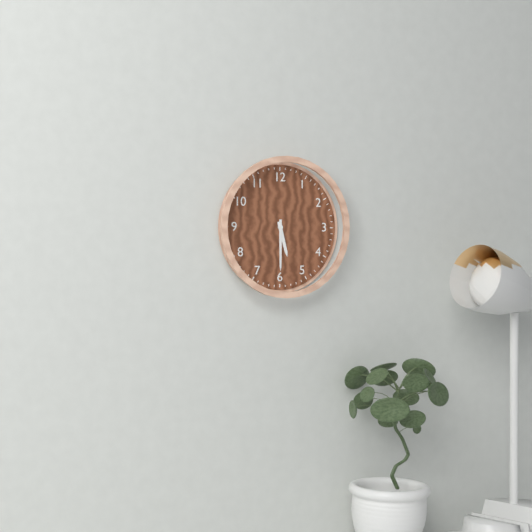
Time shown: {"hour": 5, "minute": 30}
